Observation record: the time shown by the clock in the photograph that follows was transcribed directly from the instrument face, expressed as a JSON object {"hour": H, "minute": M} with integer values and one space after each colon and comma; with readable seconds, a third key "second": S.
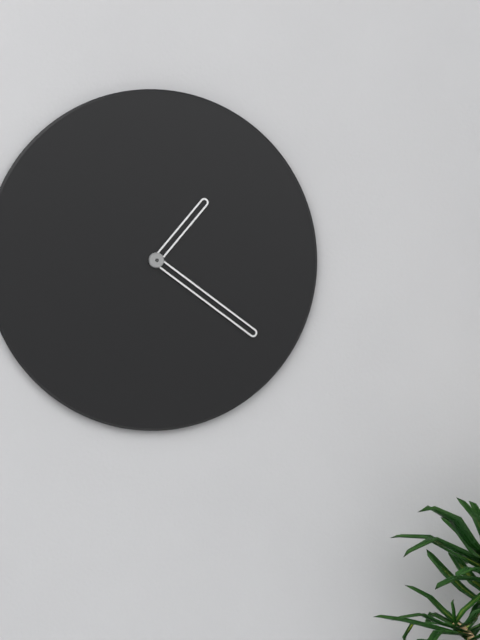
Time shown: {"hour": 1, "minute": 21}
